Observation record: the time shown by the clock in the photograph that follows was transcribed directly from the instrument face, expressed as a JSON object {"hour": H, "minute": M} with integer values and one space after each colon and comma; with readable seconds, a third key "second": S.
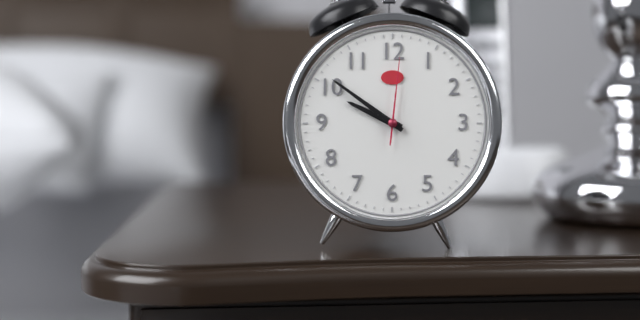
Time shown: {"hour": 9, "minute": 51, "second": 1}
